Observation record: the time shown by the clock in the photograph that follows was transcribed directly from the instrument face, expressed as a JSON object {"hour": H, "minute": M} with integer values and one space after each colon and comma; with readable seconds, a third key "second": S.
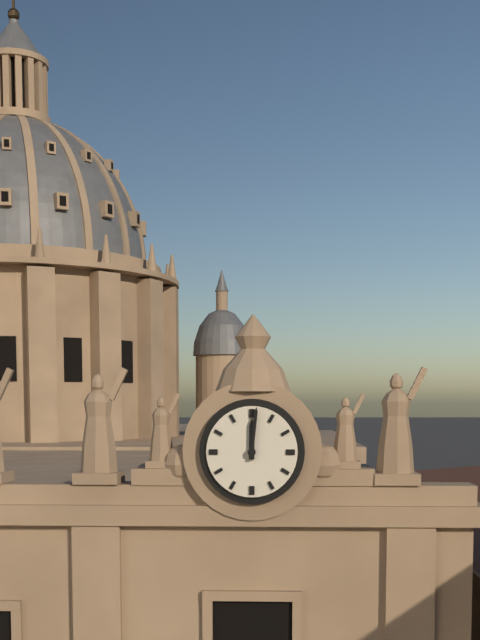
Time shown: {"hour": 12, "minute": 1}
